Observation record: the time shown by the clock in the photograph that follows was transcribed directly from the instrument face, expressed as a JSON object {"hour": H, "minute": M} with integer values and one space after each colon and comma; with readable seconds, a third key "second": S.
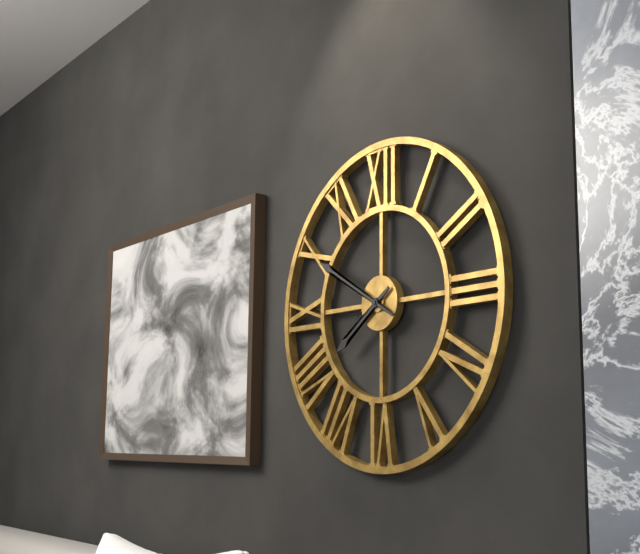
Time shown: {"hour": 7, "minute": 50}
